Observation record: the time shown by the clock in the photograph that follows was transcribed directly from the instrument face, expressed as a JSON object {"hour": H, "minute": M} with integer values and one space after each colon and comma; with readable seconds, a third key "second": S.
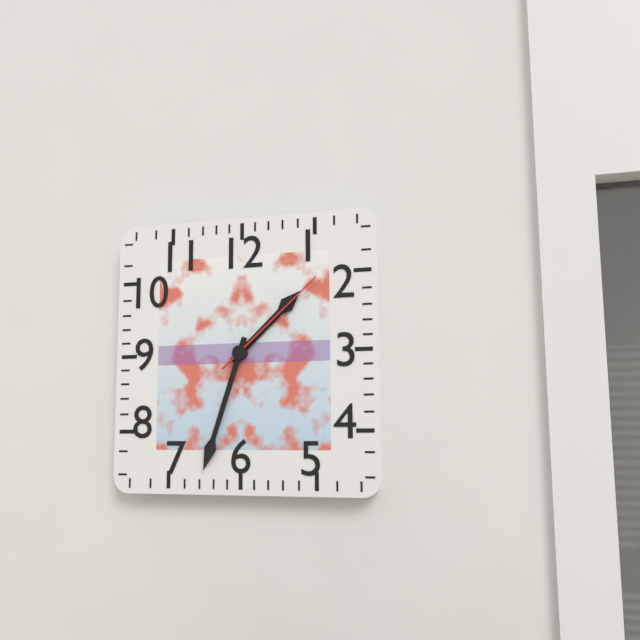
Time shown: {"hour": 1, "minute": 33, "second": 8}
